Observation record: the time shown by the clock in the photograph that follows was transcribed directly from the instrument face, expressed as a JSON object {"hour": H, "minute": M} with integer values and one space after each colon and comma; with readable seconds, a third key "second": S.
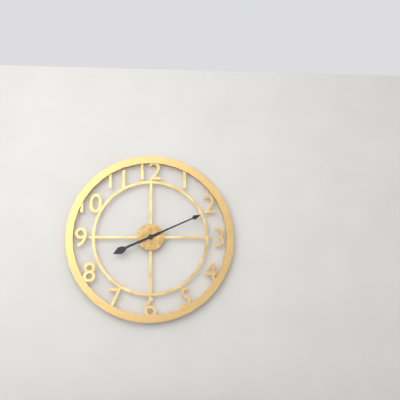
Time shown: {"hour": 8, "minute": 11}
